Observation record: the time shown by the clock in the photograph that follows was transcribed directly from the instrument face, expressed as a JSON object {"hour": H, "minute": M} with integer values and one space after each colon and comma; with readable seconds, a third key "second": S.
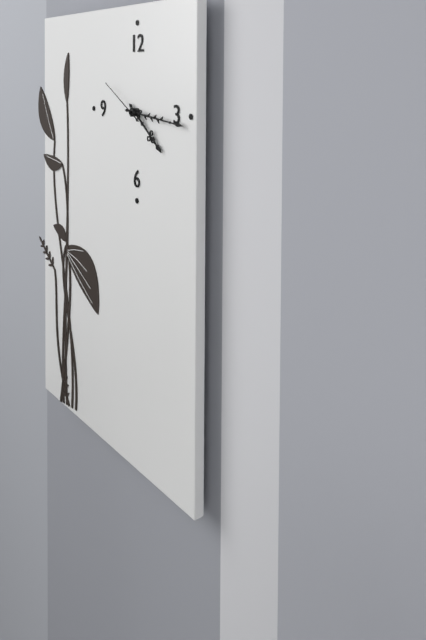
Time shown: {"hour": 4, "minute": 16, "second": 50}
